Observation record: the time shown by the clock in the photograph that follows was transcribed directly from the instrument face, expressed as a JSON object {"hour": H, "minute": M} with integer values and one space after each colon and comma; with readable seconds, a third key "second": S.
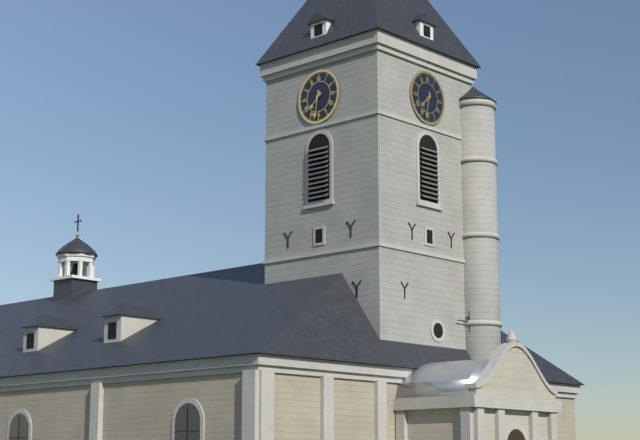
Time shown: {"hour": 7, "minute": 32}
